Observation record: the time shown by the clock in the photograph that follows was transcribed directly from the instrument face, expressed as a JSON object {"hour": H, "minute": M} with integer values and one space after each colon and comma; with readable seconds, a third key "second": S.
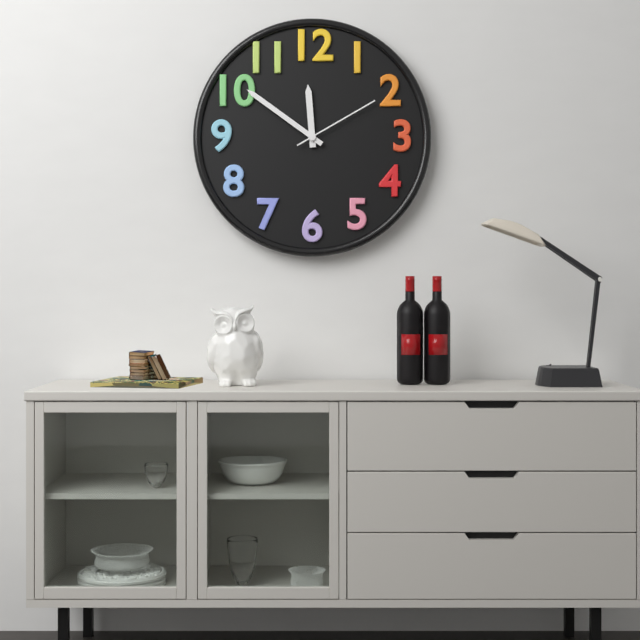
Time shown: {"hour": 11, "minute": 51, "second": 10}
